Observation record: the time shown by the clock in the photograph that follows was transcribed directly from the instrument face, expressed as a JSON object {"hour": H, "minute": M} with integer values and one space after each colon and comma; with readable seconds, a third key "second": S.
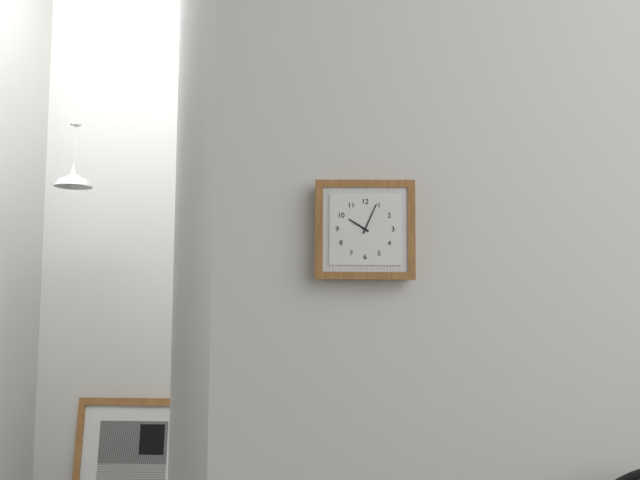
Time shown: {"hour": 10, "minute": 4}
